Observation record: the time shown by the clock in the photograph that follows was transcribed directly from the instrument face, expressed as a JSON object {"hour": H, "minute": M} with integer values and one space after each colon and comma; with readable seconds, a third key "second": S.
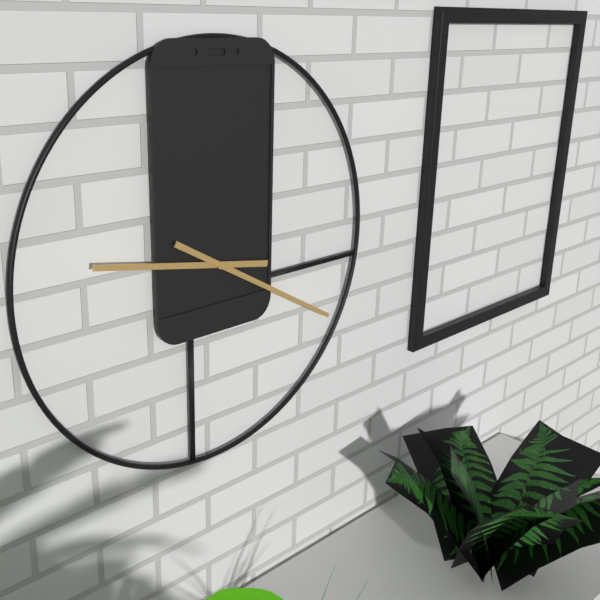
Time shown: {"hour": 9, "minute": 20}
